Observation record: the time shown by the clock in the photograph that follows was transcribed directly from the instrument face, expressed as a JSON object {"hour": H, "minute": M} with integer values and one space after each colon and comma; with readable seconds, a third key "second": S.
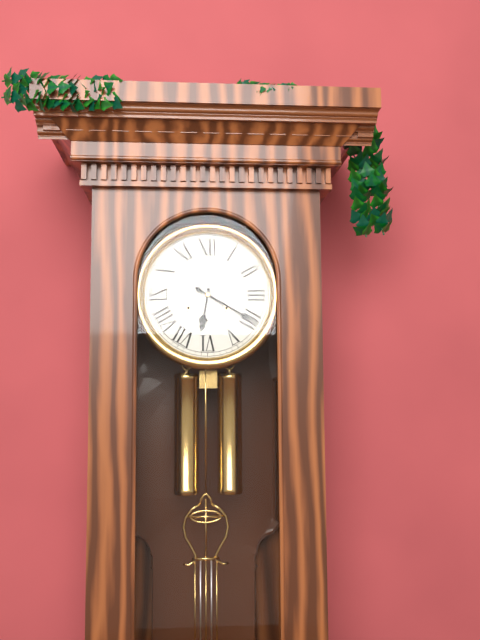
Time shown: {"hour": 6, "minute": 20}
